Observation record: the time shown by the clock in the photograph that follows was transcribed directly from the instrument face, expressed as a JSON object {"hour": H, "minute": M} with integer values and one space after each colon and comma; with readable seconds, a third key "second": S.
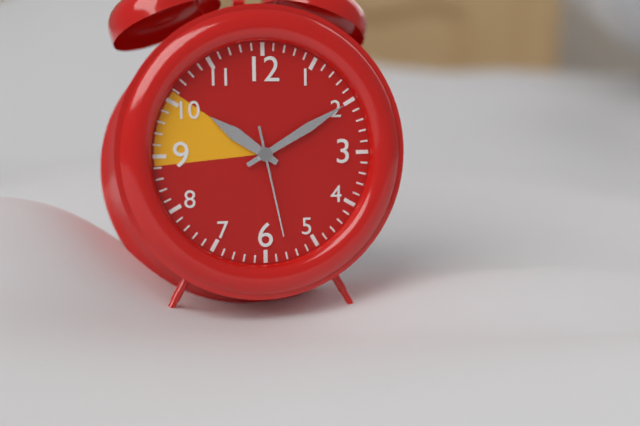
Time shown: {"hour": 10, "minute": 10, "second": 28}
